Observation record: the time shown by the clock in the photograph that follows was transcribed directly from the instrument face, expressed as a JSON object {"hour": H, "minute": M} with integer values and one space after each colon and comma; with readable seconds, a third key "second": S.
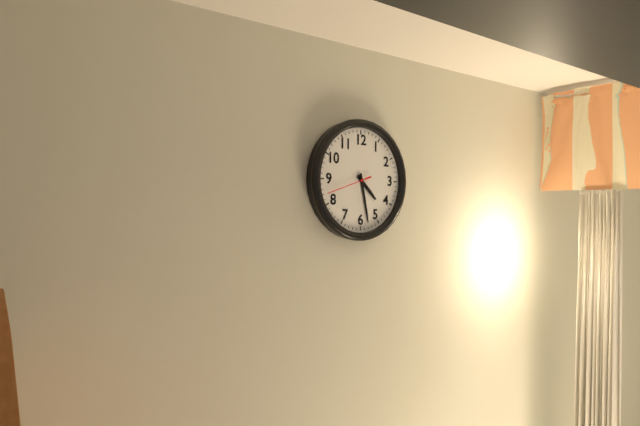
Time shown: {"hour": 4, "minute": 28}
